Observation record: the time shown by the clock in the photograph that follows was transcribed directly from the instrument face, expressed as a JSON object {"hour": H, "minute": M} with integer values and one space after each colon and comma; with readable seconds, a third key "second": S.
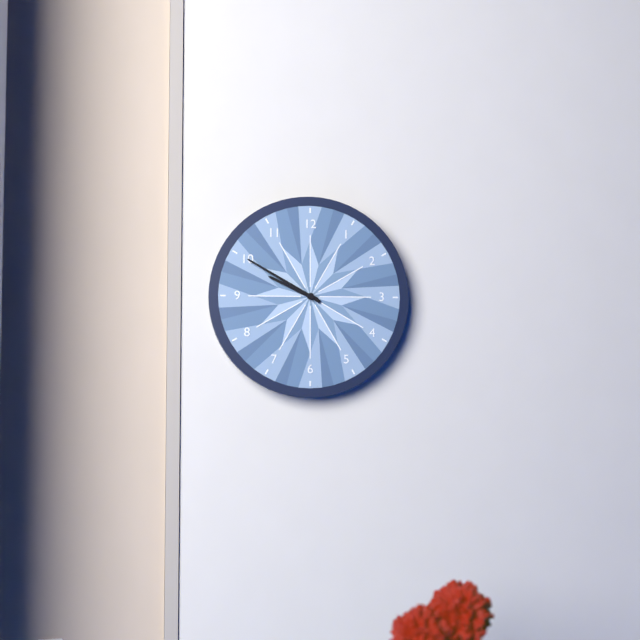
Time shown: {"hour": 9, "minute": 50}
